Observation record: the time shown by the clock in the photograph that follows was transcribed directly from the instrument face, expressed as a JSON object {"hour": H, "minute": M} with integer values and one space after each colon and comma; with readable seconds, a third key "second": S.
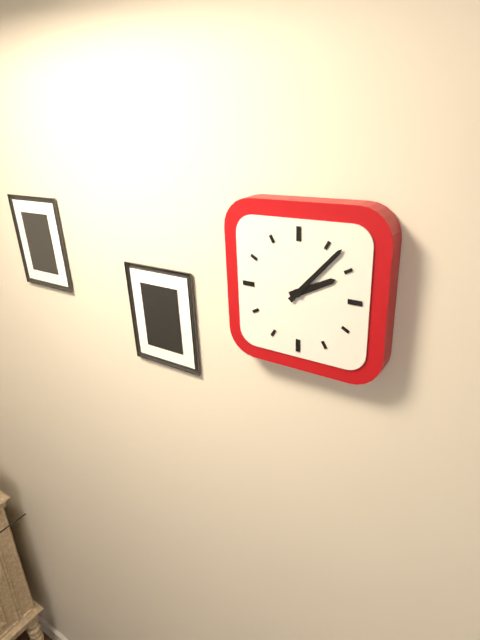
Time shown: {"hour": 2, "minute": 7}
